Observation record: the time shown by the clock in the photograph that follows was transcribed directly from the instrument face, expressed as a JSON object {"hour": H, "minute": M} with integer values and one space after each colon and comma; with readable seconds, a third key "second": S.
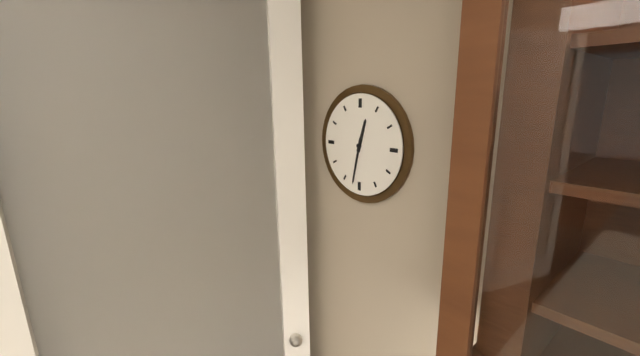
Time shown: {"hour": 12, "minute": 32}
